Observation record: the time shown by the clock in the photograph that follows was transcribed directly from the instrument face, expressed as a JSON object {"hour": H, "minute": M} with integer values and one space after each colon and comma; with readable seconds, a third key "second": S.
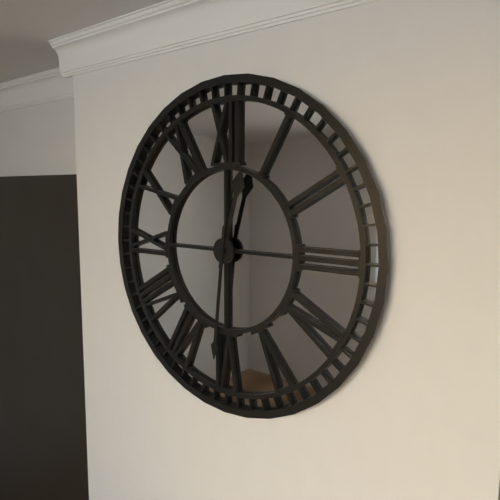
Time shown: {"hour": 12, "minute": 31}
